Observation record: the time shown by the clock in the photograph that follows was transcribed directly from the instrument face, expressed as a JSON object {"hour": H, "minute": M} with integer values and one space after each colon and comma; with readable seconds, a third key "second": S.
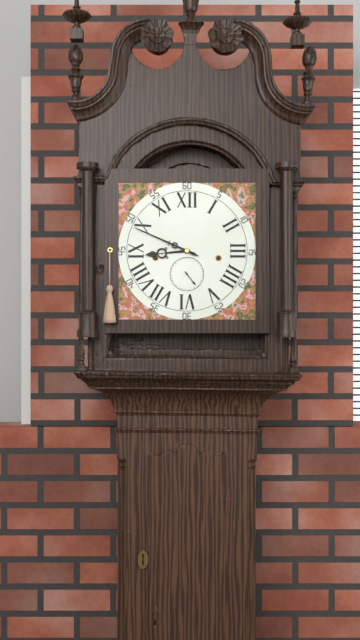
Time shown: {"hour": 8, "minute": 49}
